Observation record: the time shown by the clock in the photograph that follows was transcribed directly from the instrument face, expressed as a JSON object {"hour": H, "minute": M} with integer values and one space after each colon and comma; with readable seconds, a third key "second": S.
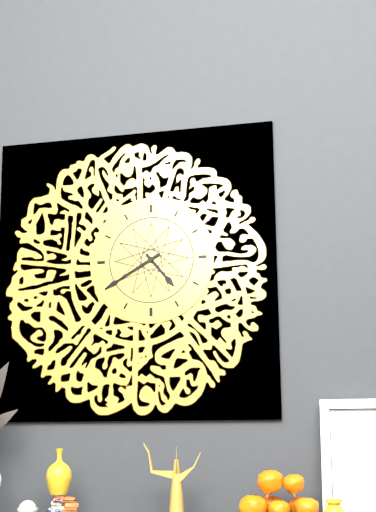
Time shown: {"hour": 4, "minute": 40}
